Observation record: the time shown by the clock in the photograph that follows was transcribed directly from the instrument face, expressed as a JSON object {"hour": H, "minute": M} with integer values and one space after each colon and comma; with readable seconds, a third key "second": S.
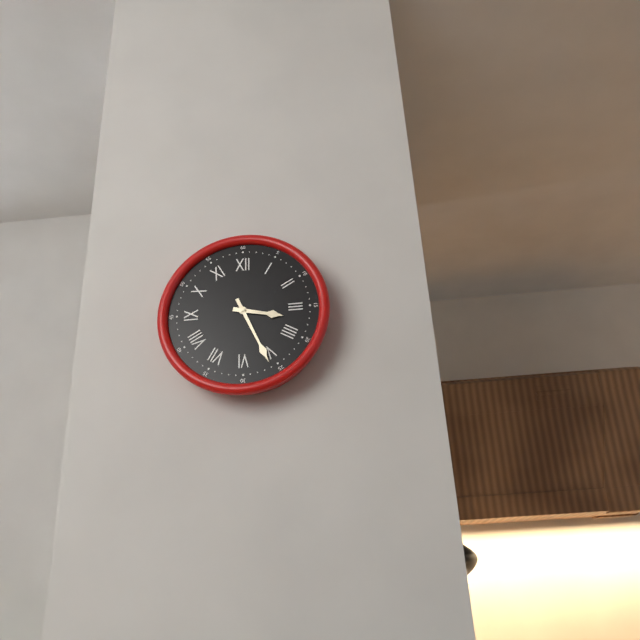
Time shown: {"hour": 3, "minute": 26}
